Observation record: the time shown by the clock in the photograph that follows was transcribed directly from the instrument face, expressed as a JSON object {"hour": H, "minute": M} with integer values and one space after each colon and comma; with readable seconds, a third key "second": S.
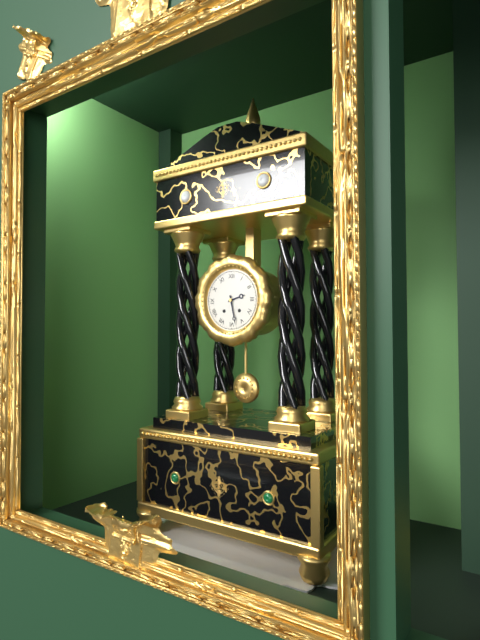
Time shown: {"hour": 2, "minute": 28}
